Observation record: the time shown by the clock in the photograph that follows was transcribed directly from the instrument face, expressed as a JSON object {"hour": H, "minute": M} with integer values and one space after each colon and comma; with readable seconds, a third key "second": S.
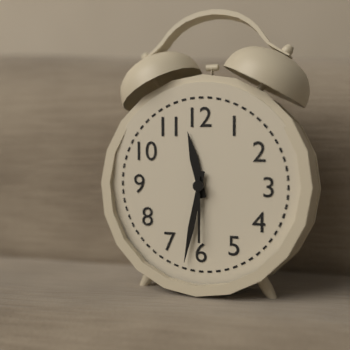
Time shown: {"hour": 11, "minute": 32, "second": 30}
